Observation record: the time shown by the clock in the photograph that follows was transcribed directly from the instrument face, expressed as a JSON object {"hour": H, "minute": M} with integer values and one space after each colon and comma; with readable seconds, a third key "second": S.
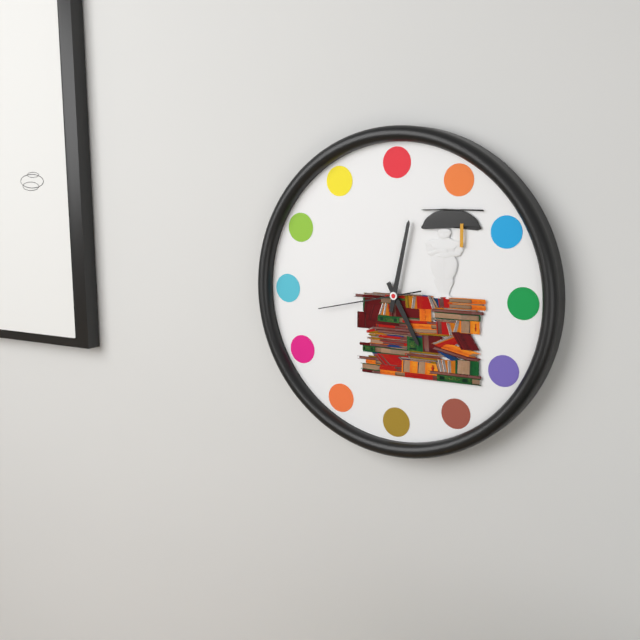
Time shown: {"hour": 5, "minute": 2, "second": 43}
